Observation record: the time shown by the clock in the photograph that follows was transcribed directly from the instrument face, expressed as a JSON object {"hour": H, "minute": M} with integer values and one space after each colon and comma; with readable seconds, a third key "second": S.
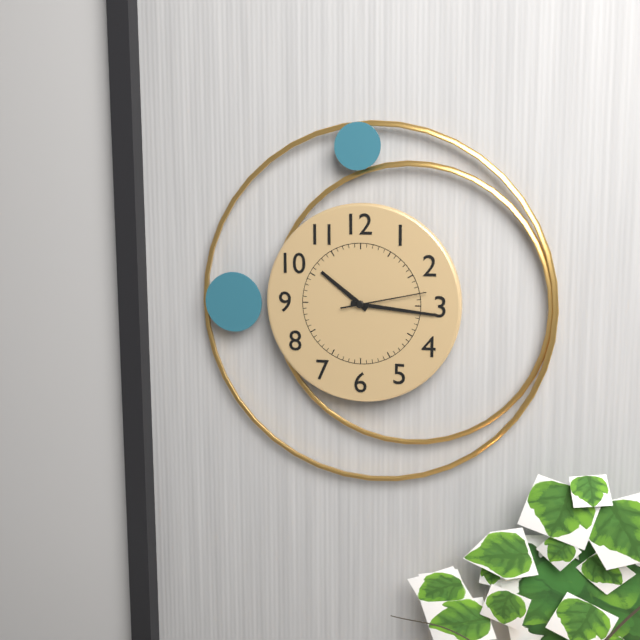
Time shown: {"hour": 10, "minute": 16, "second": 13}
